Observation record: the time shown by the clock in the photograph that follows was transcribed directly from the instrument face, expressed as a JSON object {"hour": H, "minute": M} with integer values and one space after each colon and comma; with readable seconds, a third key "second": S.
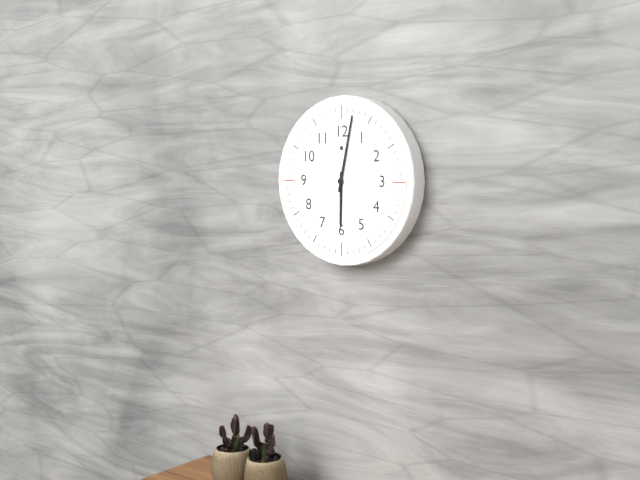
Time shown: {"hour": 6, "minute": 2}
